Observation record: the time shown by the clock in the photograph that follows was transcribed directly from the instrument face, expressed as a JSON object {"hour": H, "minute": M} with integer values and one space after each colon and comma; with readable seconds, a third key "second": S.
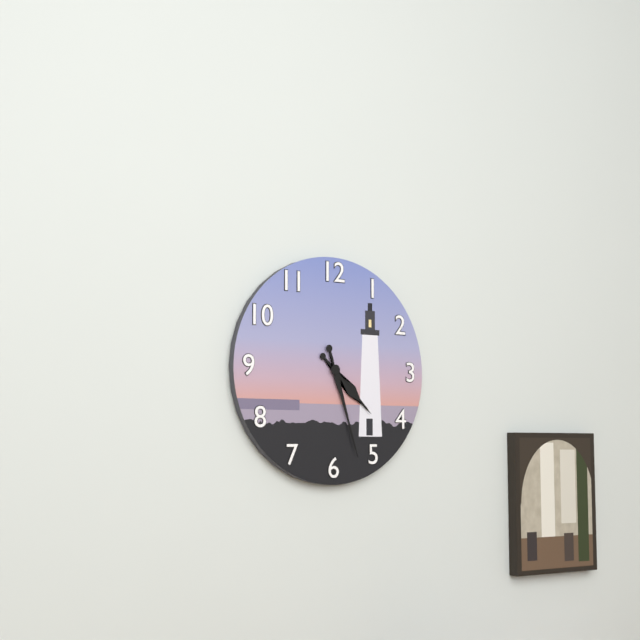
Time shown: {"hour": 4, "minute": 27}
